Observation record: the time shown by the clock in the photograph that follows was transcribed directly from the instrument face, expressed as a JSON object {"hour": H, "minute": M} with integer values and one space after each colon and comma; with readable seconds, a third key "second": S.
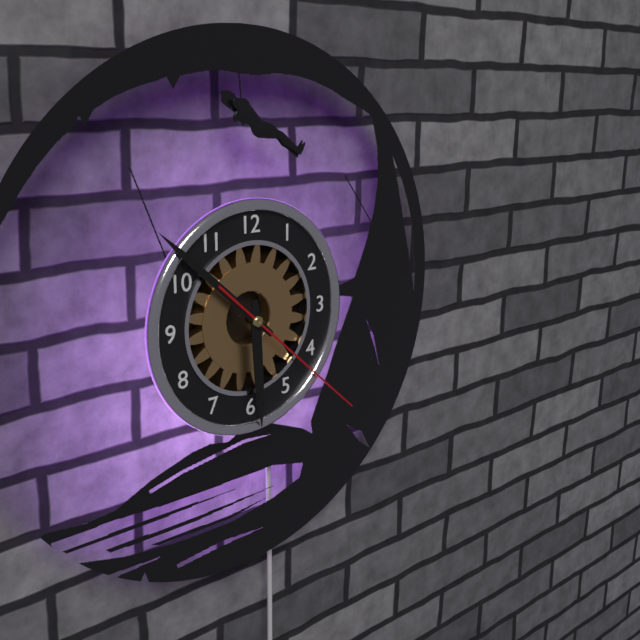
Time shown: {"hour": 5, "minute": 52, "second": 22}
